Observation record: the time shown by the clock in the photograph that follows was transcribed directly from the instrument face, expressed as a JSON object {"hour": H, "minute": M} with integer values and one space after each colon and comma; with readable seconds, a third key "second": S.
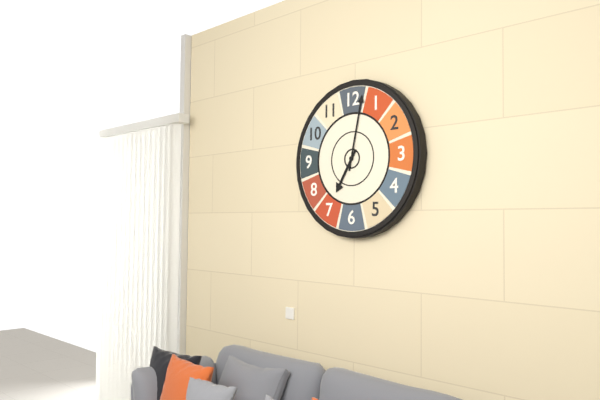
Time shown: {"hour": 7, "minute": 2}
